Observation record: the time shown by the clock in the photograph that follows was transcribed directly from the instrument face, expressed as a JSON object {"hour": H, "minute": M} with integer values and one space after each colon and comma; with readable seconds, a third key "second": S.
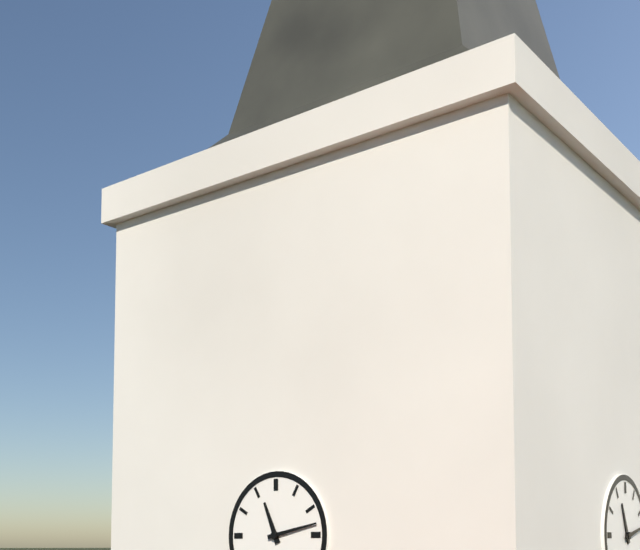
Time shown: {"hour": 11, "minute": 13}
